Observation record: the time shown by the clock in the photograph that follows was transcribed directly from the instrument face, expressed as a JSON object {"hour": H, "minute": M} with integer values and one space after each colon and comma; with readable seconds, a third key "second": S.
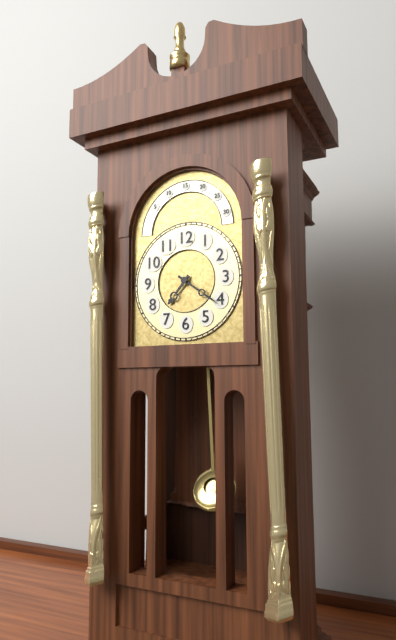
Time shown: {"hour": 7, "minute": 21}
